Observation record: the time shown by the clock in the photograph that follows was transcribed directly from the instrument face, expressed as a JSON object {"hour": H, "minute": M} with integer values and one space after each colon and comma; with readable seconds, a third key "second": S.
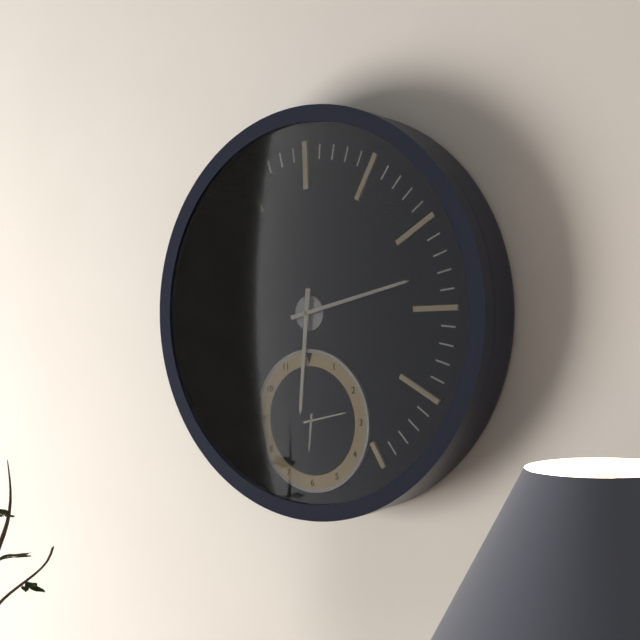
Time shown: {"hour": 6, "minute": 13}
